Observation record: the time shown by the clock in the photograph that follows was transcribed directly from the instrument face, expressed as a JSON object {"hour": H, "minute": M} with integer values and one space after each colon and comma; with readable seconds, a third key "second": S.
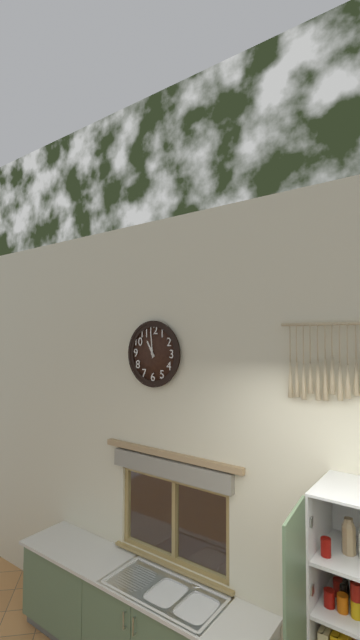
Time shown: {"hour": 10, "minute": 59}
